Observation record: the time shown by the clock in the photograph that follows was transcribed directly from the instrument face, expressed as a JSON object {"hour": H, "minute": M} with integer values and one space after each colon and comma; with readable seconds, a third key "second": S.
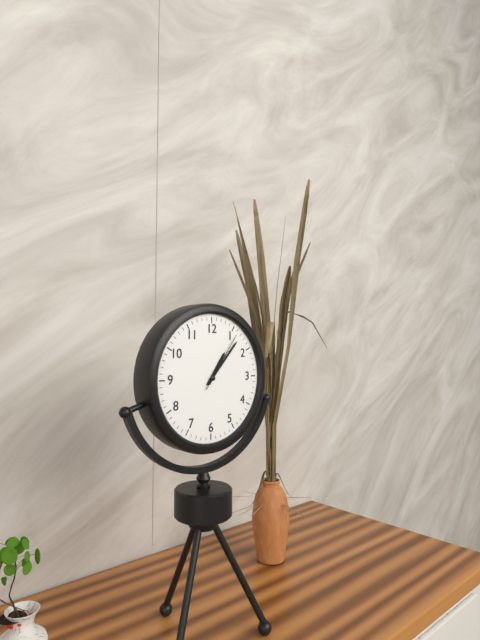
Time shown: {"hour": 1, "minute": 7, "second": 6}
